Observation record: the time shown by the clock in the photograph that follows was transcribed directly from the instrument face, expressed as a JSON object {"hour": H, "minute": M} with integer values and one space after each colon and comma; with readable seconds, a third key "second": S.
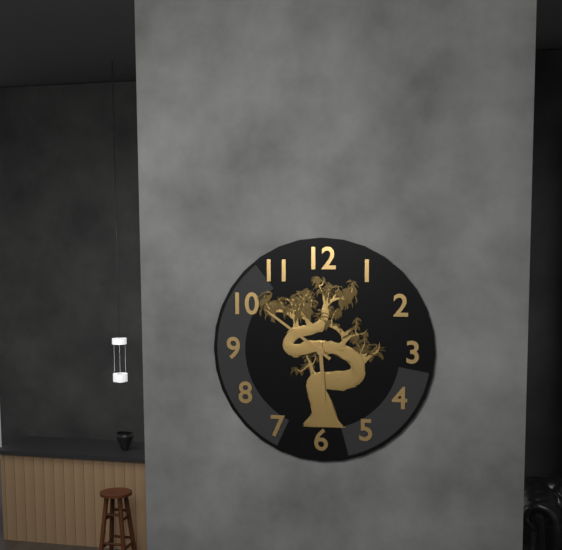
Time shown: {"hour": 5, "minute": 51}
